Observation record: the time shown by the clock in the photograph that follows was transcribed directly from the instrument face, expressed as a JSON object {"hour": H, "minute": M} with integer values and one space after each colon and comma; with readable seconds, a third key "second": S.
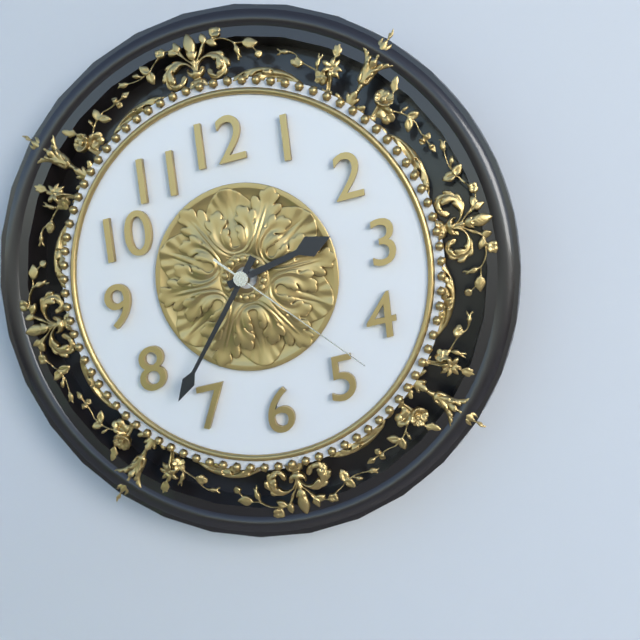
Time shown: {"hour": 2, "minute": 37, "second": 23}
